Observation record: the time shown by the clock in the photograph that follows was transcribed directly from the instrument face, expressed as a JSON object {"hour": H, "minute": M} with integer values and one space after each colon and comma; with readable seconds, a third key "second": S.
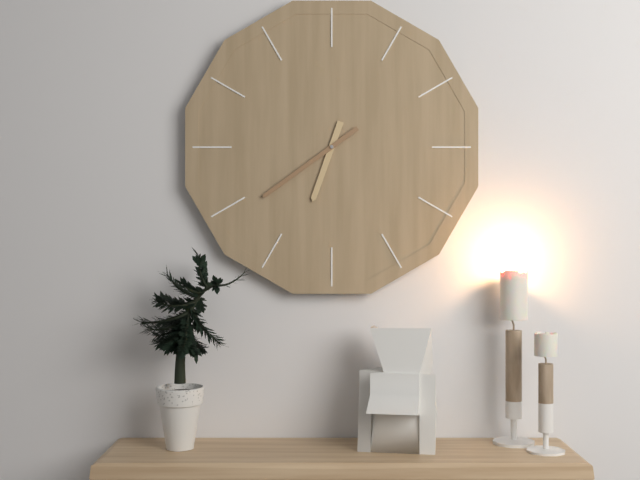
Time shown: {"hour": 6, "minute": 39}
